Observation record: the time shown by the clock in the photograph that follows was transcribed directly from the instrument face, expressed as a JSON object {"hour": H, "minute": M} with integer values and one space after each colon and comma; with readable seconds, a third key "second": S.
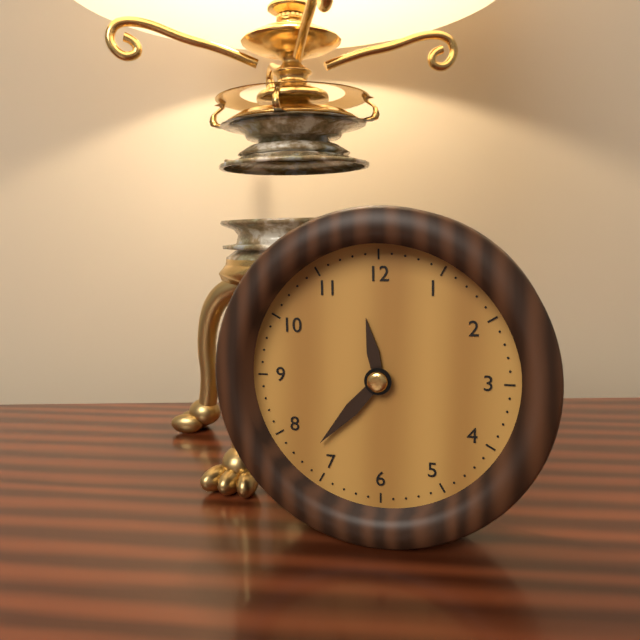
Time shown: {"hour": 11, "minute": 37}
